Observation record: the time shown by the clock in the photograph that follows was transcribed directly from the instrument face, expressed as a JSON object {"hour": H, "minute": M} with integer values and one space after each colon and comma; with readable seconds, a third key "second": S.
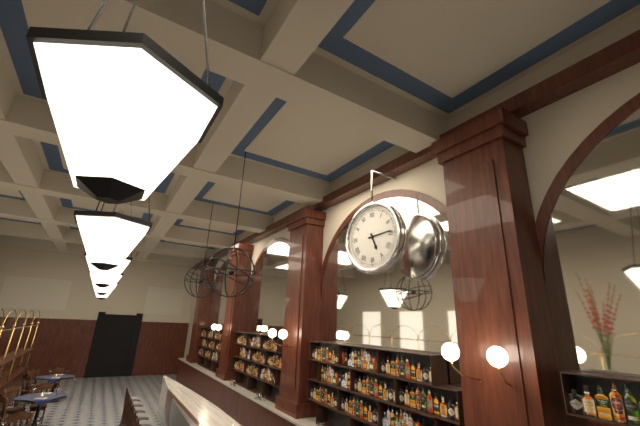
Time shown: {"hour": 5, "minute": 14}
